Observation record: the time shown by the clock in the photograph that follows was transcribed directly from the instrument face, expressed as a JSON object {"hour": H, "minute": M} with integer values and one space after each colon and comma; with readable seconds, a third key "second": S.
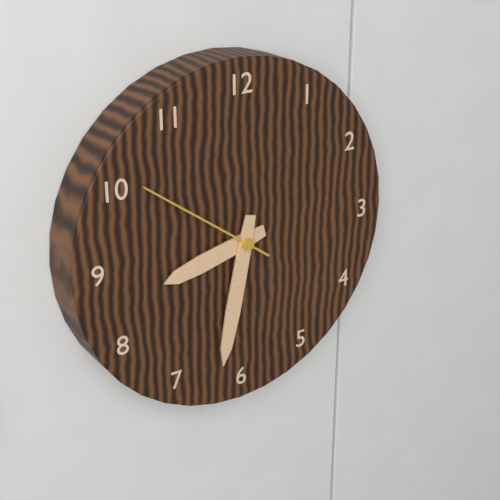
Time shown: {"hour": 8, "minute": 32, "second": 51}
